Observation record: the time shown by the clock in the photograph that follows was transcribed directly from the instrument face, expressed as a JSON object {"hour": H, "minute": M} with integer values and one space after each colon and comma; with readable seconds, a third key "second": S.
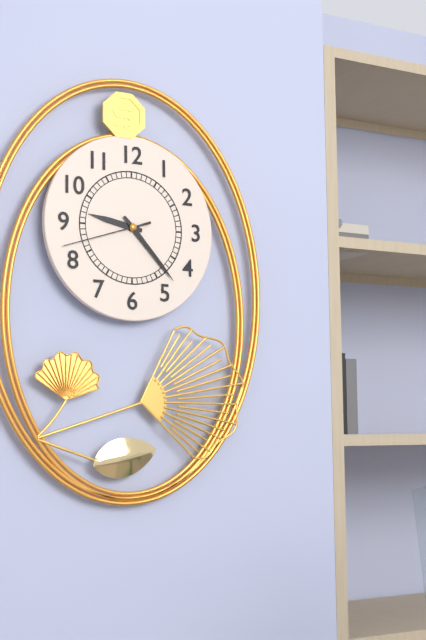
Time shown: {"hour": 9, "minute": 23, "second": 42}
